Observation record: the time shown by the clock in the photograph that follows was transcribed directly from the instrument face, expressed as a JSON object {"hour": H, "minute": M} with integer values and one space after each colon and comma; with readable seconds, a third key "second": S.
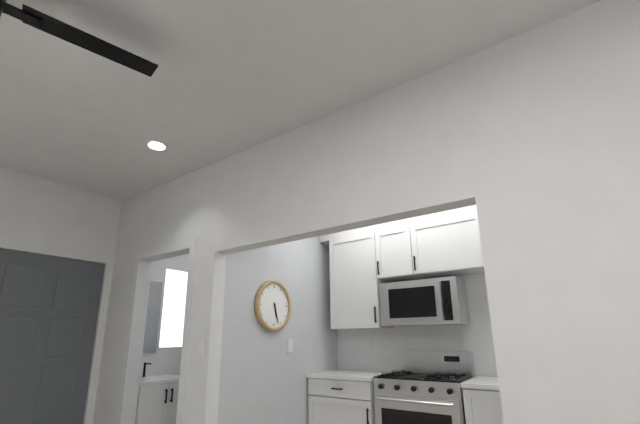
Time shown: {"hour": 5, "minute": 27}
